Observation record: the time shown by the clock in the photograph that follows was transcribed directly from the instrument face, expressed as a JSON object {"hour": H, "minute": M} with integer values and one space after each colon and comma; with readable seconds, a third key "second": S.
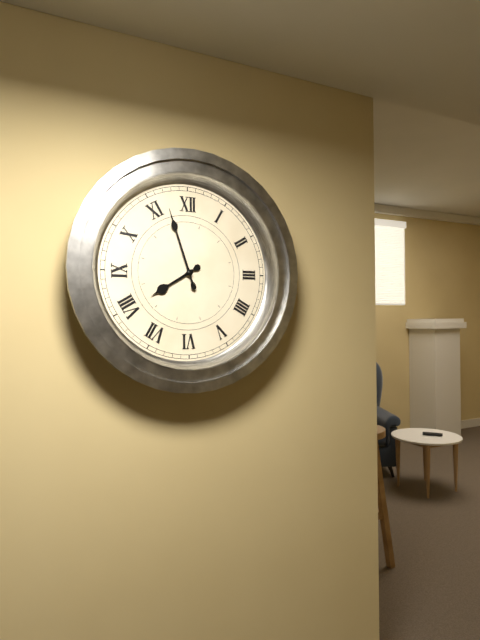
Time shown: {"hour": 7, "minute": 57}
